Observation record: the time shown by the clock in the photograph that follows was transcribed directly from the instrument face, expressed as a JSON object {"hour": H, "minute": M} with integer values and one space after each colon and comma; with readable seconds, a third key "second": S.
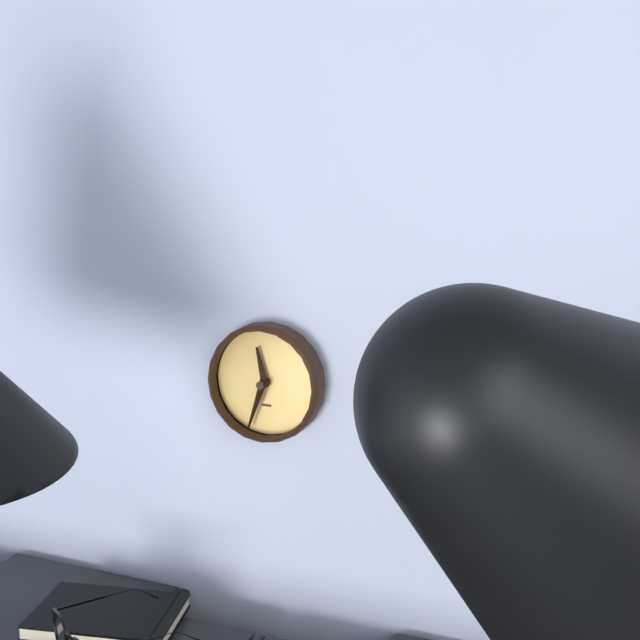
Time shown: {"hour": 11, "minute": 33}
